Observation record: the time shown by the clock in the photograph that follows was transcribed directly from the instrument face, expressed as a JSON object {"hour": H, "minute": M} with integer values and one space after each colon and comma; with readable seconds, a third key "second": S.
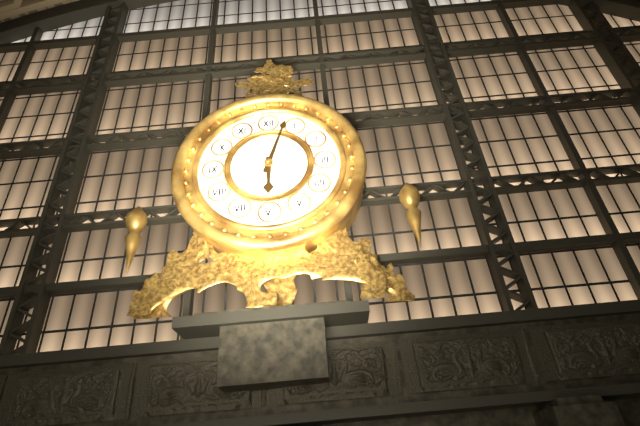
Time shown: {"hour": 6, "minute": 3}
